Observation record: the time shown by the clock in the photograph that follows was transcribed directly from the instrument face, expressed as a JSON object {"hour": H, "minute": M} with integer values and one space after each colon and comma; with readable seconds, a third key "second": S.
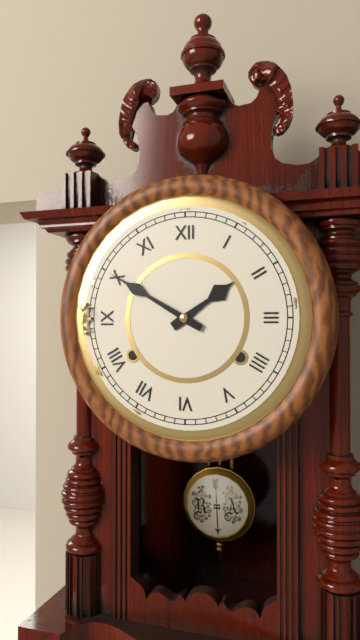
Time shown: {"hour": 1, "minute": 50}
